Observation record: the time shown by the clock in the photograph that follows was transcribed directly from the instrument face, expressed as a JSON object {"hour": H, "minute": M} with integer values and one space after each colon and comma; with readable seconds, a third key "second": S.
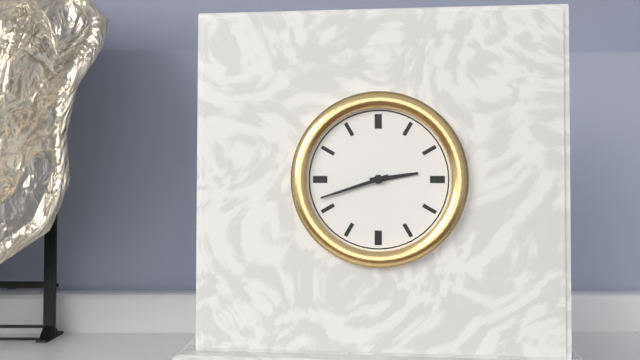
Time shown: {"hour": 2, "minute": 42}
